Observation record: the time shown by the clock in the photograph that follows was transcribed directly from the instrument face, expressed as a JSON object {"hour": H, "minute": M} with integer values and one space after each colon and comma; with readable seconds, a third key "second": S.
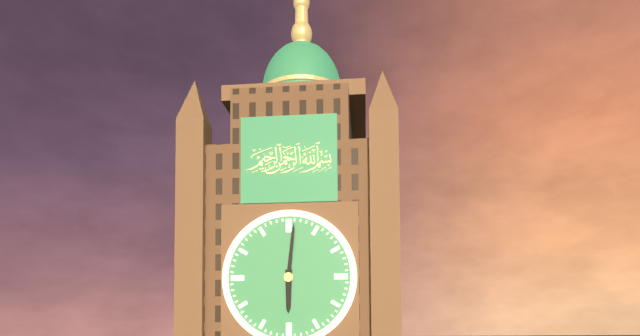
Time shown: {"hour": 6, "minute": 1}
